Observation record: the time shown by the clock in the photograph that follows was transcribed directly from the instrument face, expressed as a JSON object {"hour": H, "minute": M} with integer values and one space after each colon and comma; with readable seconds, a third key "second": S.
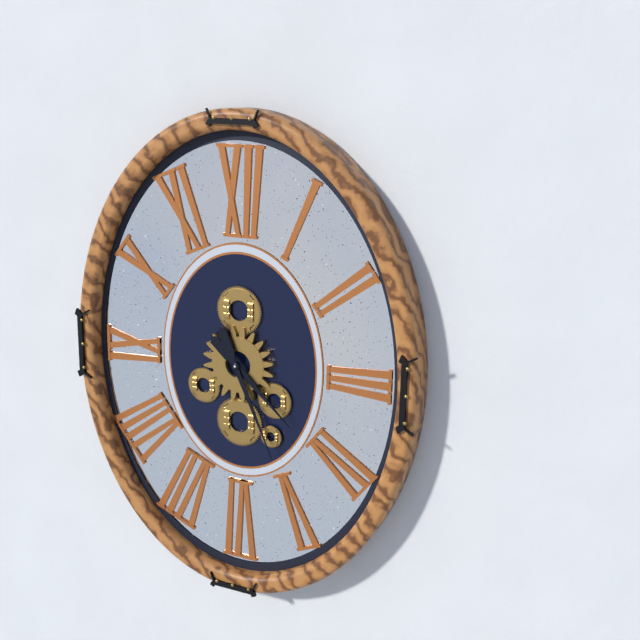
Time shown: {"hour": 4, "minute": 26}
